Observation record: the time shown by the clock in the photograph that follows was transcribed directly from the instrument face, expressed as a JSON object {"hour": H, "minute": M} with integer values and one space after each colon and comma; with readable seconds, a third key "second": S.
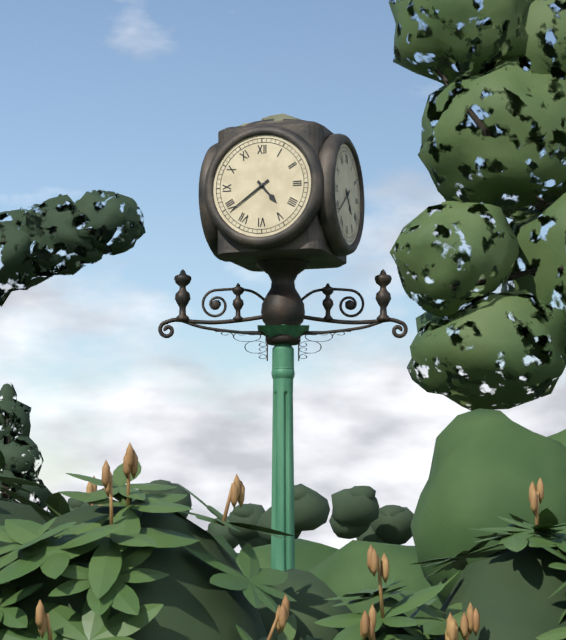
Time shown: {"hour": 4, "minute": 39}
